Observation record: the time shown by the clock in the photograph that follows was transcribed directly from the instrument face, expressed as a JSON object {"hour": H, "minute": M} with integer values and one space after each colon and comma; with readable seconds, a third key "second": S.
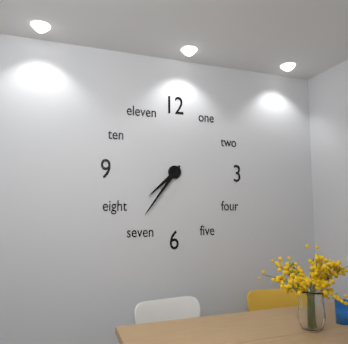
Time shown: {"hour": 7, "minute": 36}
